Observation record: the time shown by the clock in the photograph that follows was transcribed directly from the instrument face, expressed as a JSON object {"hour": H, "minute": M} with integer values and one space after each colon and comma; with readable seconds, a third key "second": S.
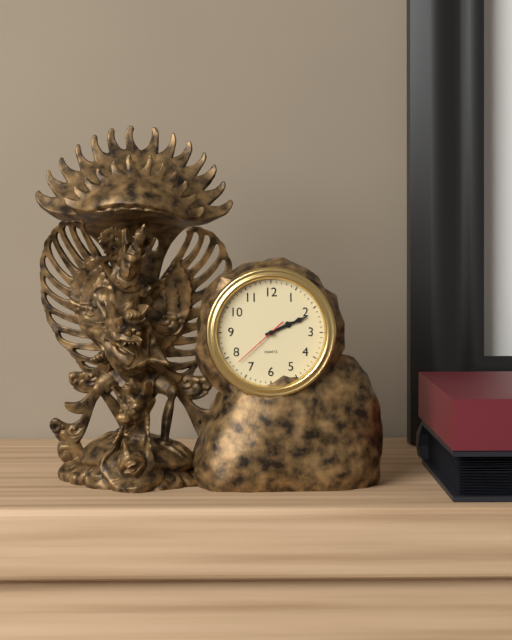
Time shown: {"hour": 2, "minute": 11, "second": 38}
